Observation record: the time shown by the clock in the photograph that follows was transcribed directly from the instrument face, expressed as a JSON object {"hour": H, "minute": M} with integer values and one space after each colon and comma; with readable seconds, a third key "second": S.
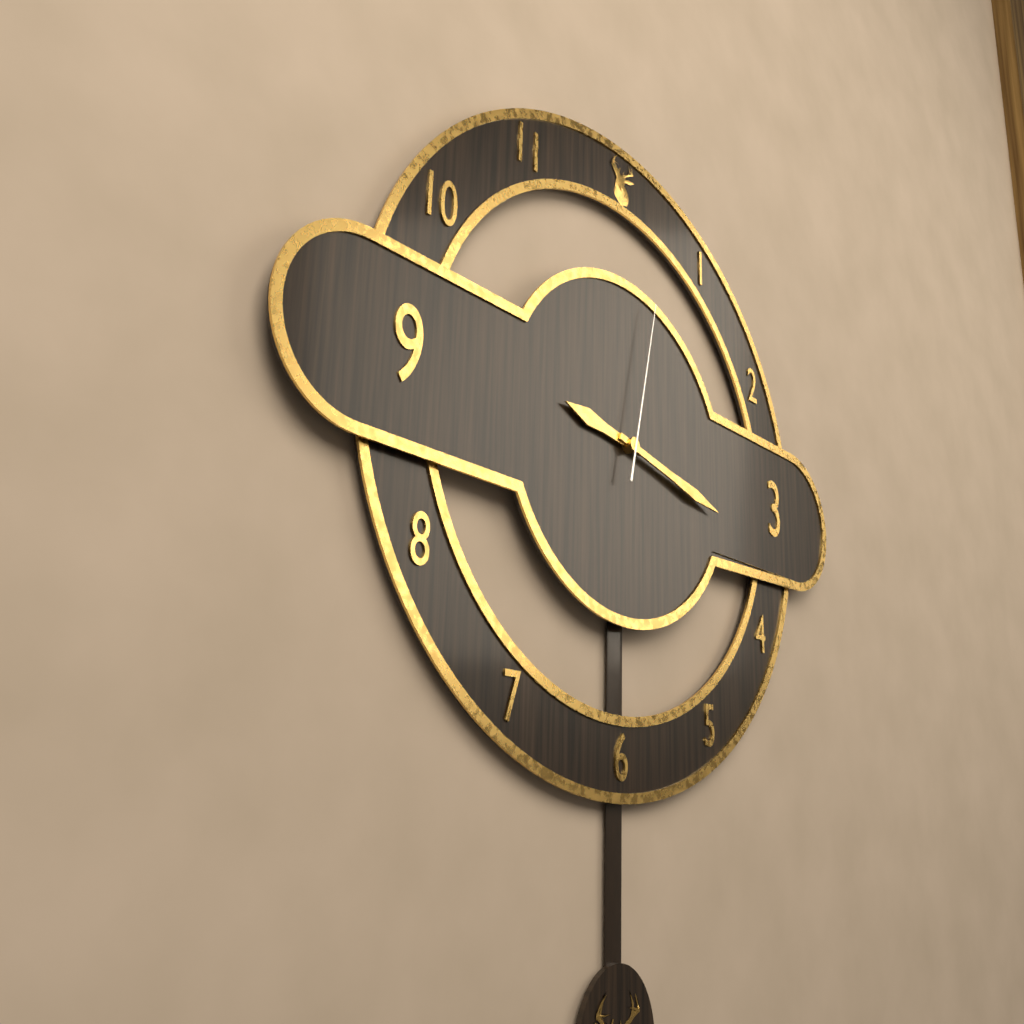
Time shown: {"hour": 9, "minute": 17, "second": 2}
